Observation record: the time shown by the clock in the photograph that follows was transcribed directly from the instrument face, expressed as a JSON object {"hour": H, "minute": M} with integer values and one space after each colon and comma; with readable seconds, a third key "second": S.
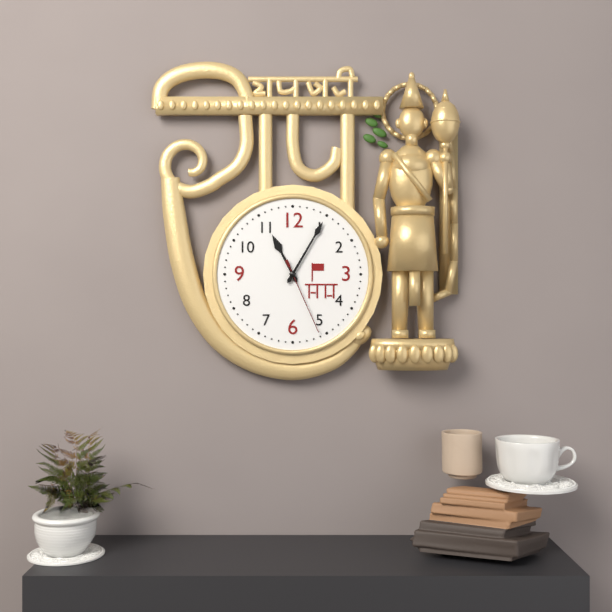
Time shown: {"hour": 11, "minute": 5, "second": 26}
